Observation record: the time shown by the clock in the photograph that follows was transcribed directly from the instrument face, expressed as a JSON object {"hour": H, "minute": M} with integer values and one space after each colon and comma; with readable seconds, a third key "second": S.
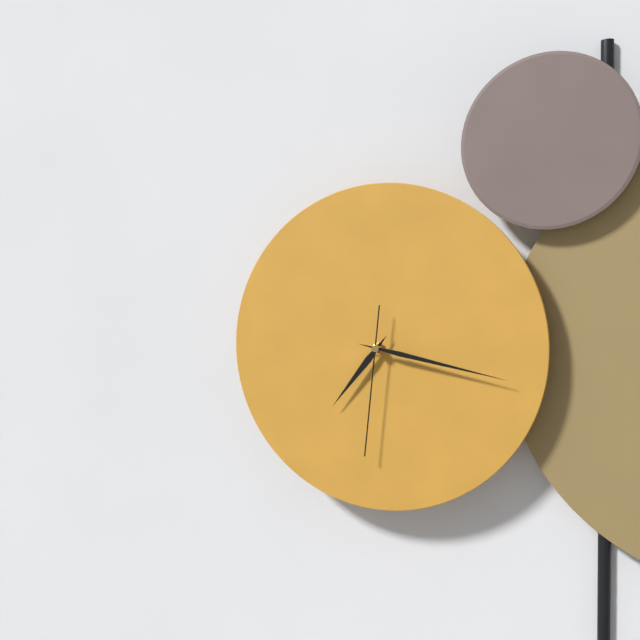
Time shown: {"hour": 7, "minute": 17, "second": 31}
